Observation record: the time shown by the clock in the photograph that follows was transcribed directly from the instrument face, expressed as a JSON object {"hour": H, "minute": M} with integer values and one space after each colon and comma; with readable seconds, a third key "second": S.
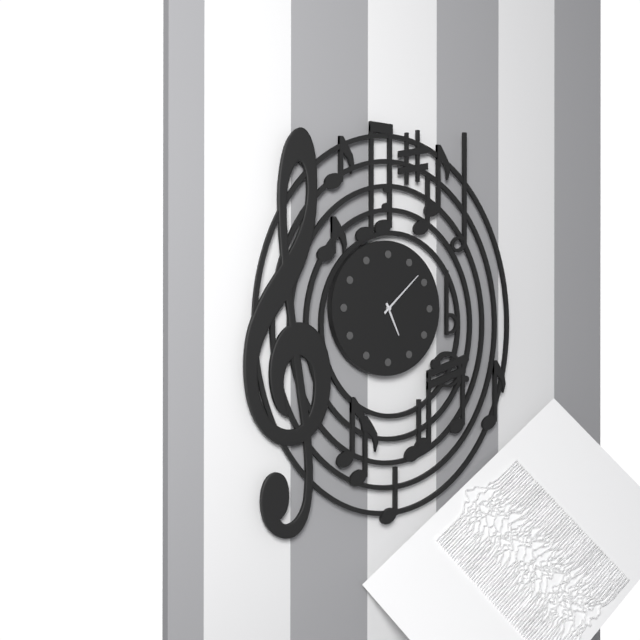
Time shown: {"hour": 5, "minute": 8}
